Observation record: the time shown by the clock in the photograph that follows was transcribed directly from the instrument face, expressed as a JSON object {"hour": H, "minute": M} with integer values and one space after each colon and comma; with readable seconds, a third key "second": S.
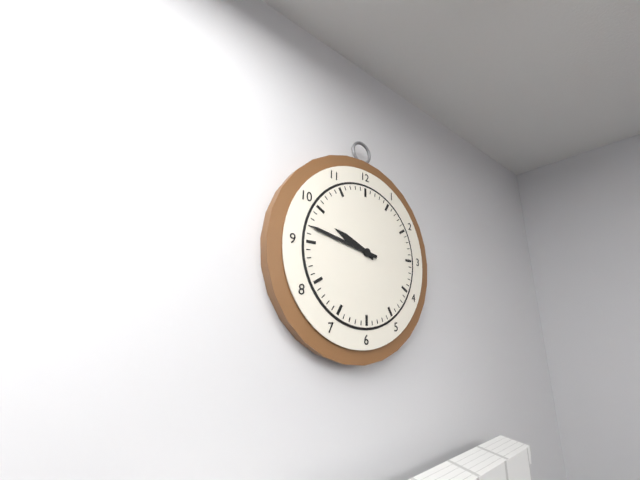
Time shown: {"hour": 9, "minute": 47}
